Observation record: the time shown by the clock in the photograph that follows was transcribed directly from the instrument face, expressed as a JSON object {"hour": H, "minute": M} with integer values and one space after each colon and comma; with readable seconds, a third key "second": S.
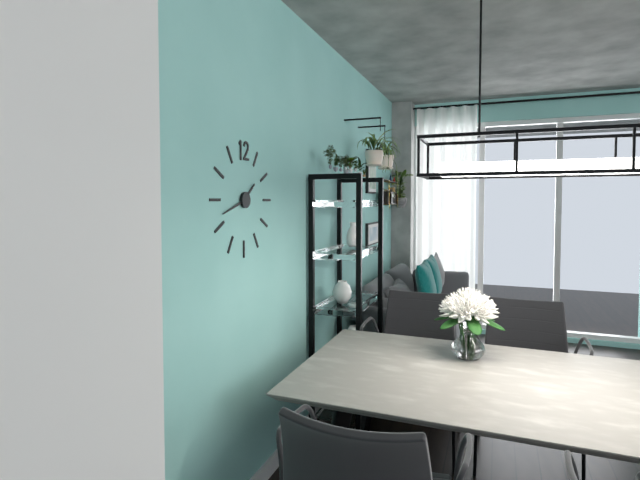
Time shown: {"hour": 1, "minute": 42}
